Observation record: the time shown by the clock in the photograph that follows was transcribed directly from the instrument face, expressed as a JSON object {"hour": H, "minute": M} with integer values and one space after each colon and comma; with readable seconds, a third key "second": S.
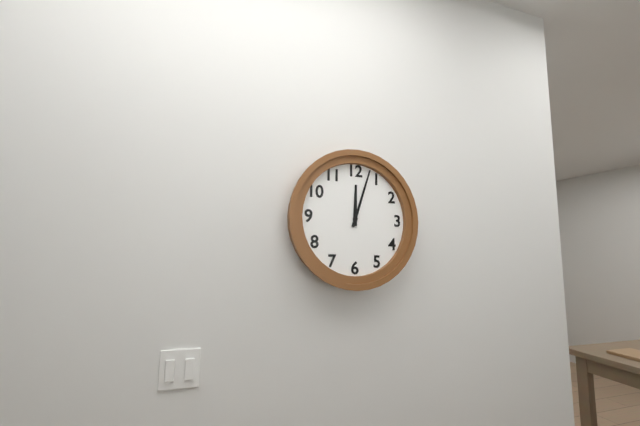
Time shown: {"hour": 12, "minute": 3}
